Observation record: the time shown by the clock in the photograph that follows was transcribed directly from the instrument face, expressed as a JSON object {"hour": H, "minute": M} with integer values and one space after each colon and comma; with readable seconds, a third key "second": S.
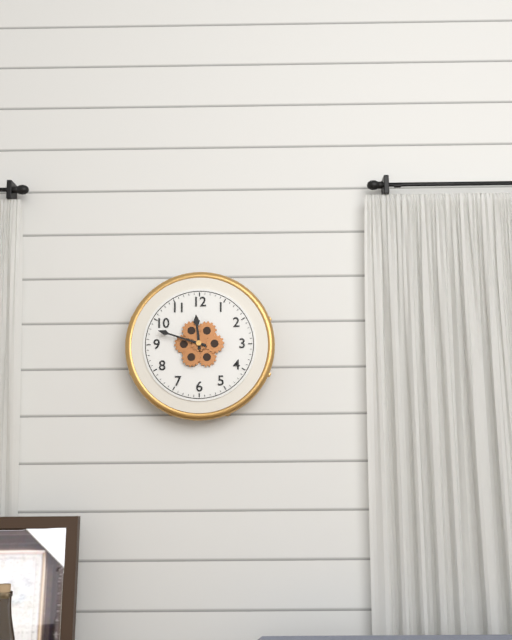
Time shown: {"hour": 11, "minute": 48}
